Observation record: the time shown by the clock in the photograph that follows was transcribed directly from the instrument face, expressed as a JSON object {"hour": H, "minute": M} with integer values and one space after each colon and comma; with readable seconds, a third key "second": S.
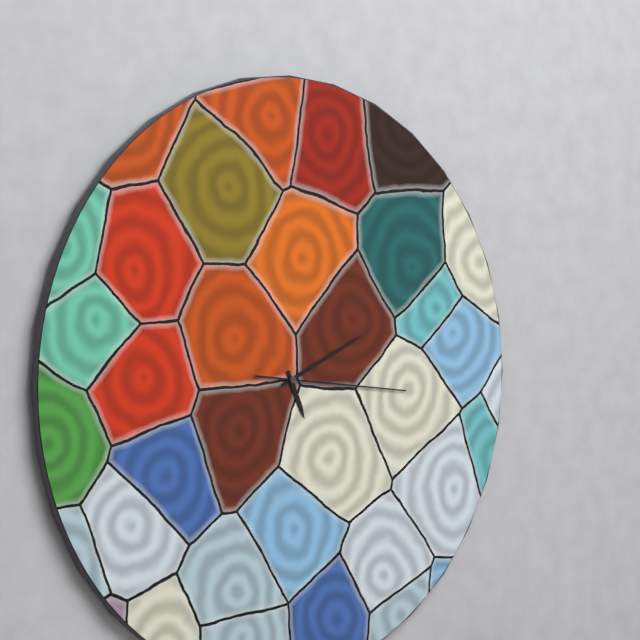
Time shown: {"hour": 5, "minute": 11, "second": 16}
